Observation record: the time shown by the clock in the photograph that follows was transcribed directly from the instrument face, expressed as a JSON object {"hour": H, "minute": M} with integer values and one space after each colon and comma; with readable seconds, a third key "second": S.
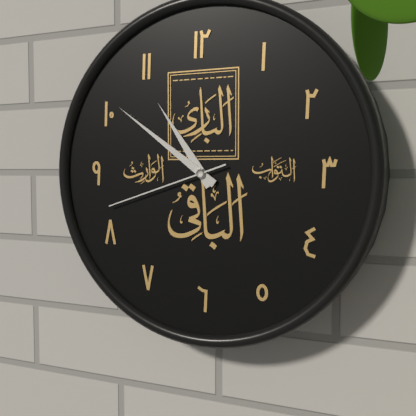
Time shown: {"hour": 10, "minute": 51, "second": 42}
